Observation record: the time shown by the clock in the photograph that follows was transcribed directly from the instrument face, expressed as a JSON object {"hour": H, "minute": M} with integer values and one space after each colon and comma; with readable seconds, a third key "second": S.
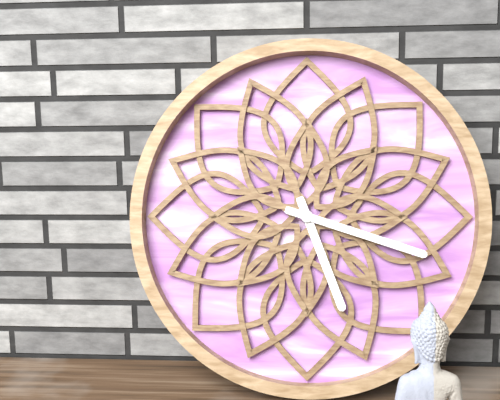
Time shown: {"hour": 5, "minute": 18}
